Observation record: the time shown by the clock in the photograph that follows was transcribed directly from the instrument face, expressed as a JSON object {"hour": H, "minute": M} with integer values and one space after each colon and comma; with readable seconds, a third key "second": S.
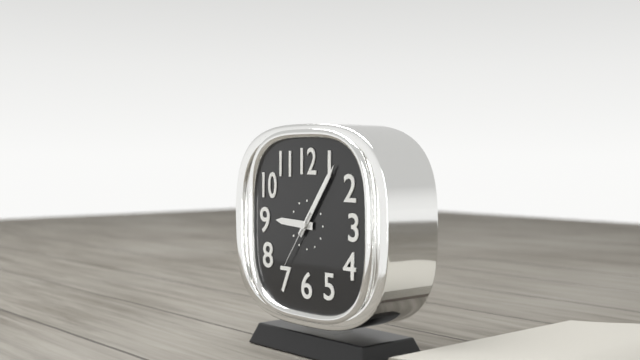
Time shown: {"hour": 9, "minute": 6, "second": 36}
